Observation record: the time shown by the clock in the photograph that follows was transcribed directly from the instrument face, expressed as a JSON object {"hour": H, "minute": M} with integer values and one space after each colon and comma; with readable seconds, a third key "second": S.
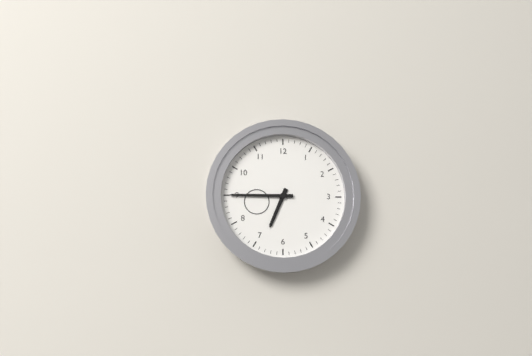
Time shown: {"hour": 6, "minute": 45}
